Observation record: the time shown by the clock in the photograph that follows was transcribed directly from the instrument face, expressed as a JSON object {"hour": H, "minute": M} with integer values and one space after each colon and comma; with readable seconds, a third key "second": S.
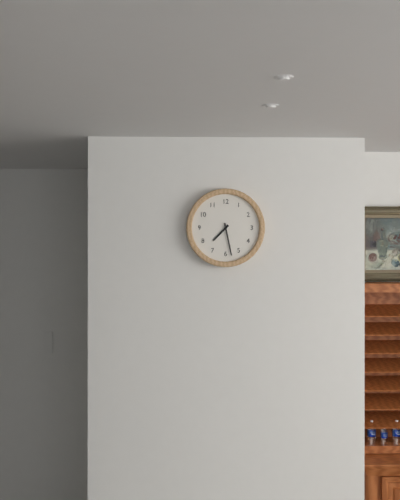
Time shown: {"hour": 7, "minute": 28}
